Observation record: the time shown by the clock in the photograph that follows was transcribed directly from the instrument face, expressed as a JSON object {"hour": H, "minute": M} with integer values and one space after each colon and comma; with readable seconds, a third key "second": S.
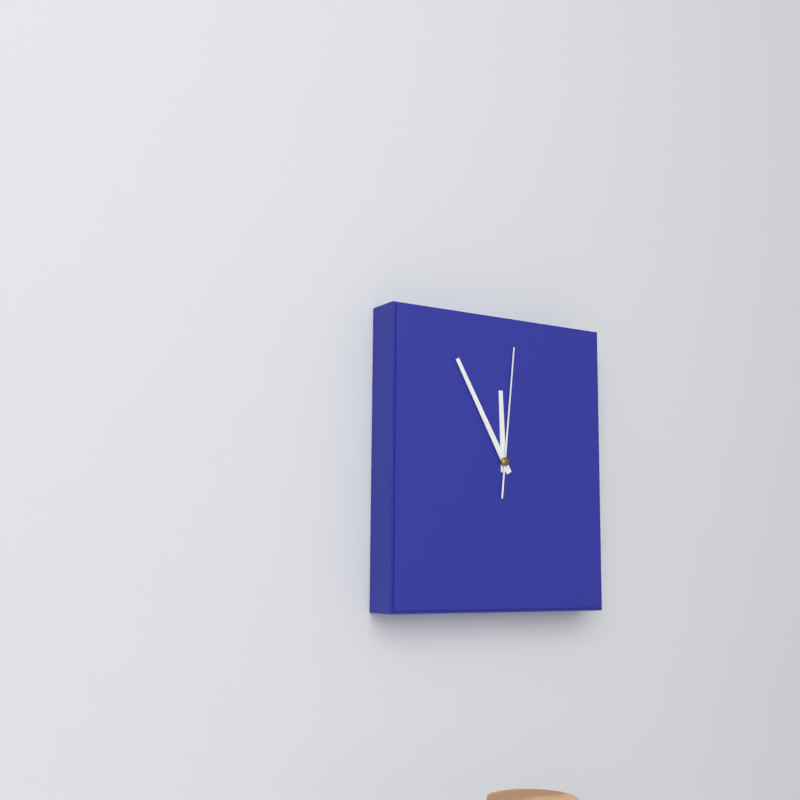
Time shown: {"hour": 11, "minute": 55, "second": 1}
